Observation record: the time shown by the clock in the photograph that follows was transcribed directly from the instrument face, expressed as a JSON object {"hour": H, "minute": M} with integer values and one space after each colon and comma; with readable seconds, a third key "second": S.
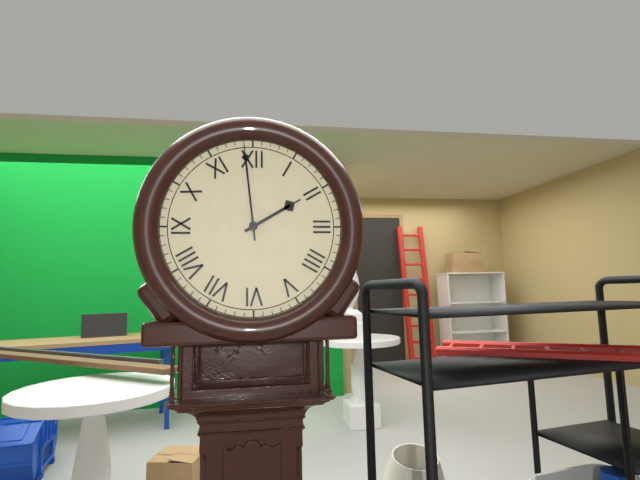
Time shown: {"hour": 1, "minute": 59}
